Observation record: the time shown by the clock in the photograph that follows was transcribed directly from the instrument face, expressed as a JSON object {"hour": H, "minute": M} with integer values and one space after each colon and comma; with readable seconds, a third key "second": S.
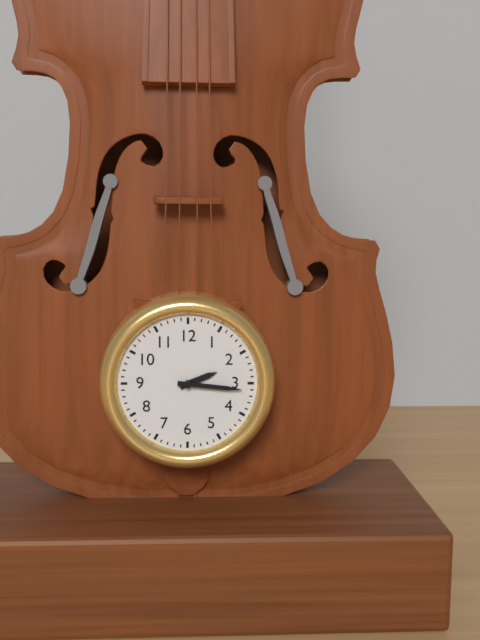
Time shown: {"hour": 2, "minute": 16}
